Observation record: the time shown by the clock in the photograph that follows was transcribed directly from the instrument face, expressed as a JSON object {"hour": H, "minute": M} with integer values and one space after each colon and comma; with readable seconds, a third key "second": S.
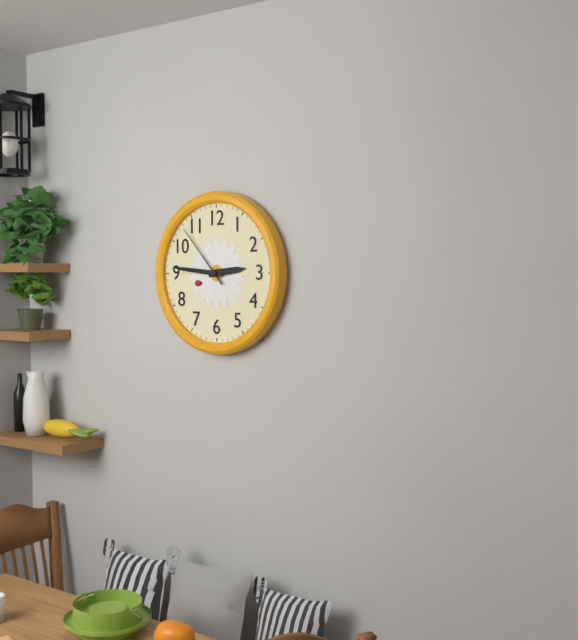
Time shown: {"hour": 2, "minute": 46, "second": 53}
